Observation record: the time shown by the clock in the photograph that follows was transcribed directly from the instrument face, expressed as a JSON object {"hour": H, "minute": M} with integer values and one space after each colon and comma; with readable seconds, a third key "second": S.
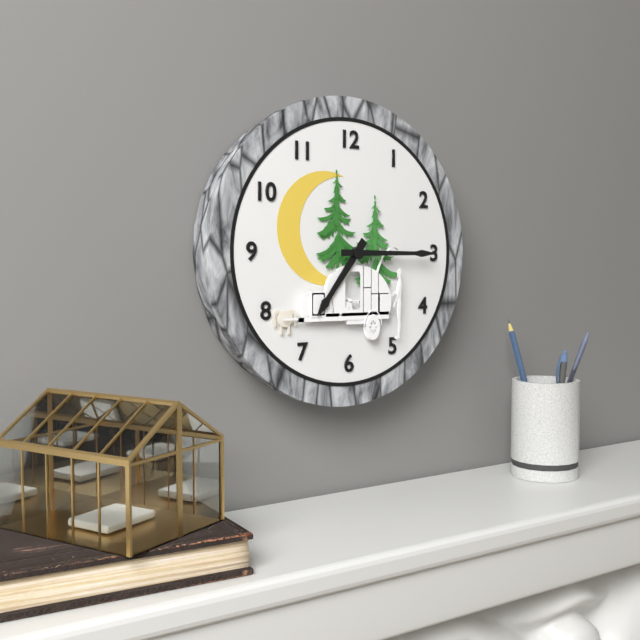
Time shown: {"hour": 7, "minute": 15}
